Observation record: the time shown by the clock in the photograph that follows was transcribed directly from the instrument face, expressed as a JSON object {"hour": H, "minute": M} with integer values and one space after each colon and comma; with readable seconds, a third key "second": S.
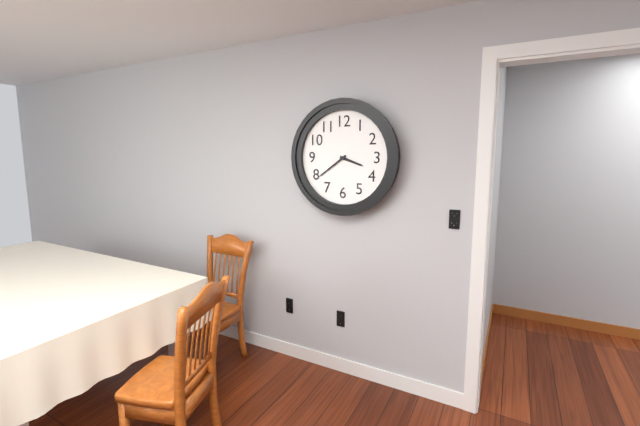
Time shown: {"hour": 3, "minute": 39}
